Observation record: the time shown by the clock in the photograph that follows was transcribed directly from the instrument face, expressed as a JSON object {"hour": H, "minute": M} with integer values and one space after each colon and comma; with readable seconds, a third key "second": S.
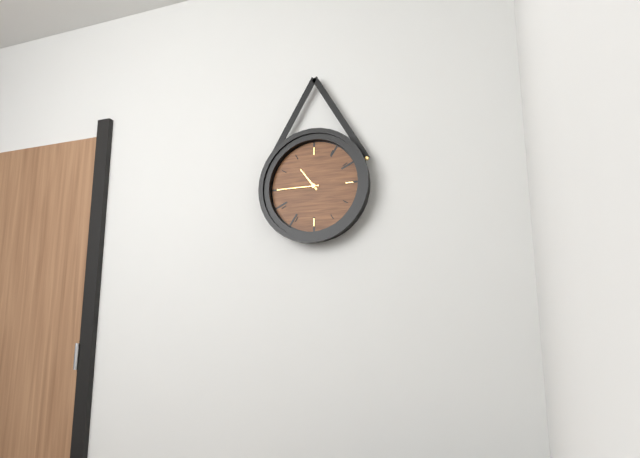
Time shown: {"hour": 10, "minute": 45}
